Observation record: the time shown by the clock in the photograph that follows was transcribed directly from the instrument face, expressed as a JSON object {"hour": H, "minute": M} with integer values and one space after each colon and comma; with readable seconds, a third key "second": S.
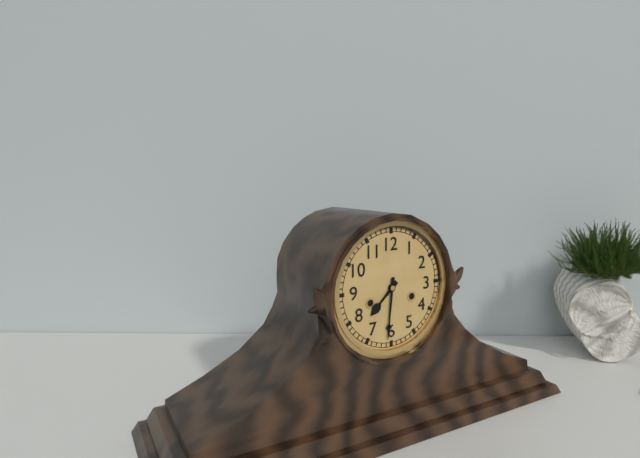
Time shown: {"hour": 7, "minute": 31}
